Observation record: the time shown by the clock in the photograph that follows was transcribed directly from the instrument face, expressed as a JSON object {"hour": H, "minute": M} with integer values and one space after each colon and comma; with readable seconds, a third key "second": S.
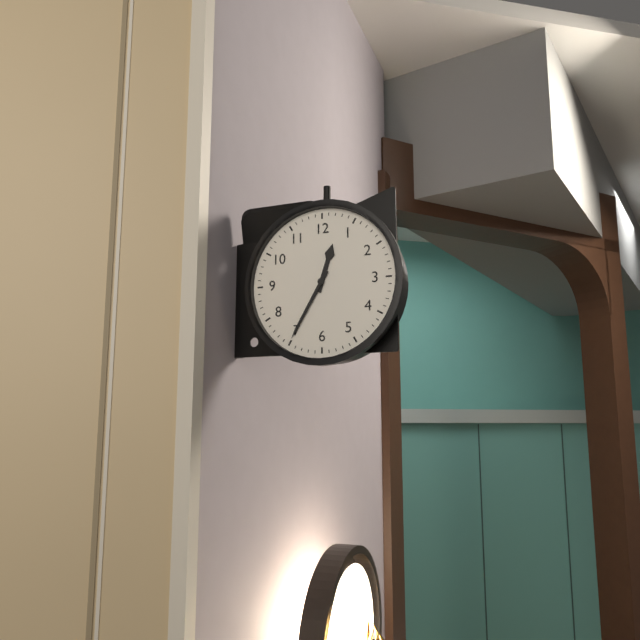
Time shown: {"hour": 12, "minute": 35}
